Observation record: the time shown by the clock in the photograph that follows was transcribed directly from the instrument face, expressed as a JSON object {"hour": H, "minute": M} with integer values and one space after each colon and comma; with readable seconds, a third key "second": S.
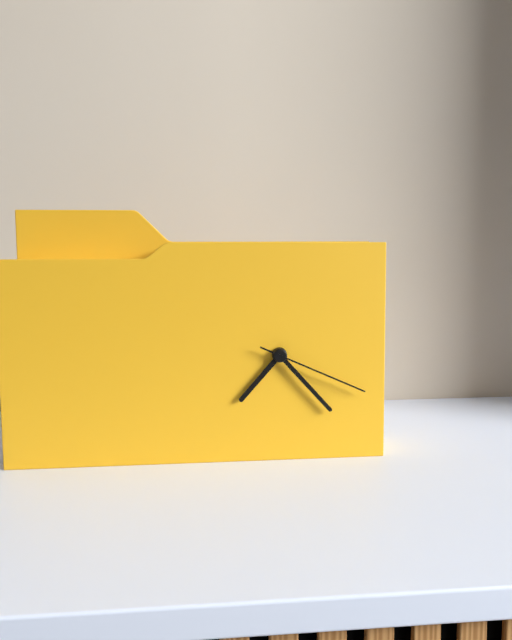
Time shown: {"hour": 7, "minute": 23, "second": 19}
